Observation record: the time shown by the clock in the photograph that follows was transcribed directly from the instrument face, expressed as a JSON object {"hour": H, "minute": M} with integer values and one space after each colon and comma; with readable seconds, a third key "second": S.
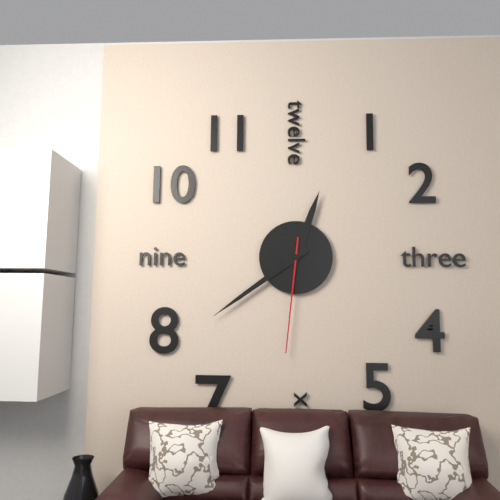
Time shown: {"hour": 12, "minute": 39, "second": 31}
